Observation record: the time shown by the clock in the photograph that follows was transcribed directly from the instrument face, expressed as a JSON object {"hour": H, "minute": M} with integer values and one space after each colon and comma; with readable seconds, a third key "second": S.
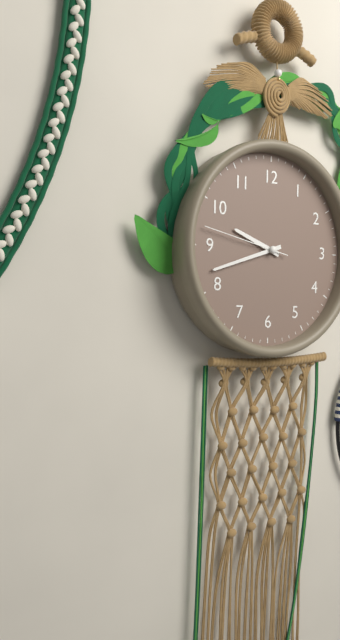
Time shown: {"hour": 9, "minute": 42, "second": 47}
